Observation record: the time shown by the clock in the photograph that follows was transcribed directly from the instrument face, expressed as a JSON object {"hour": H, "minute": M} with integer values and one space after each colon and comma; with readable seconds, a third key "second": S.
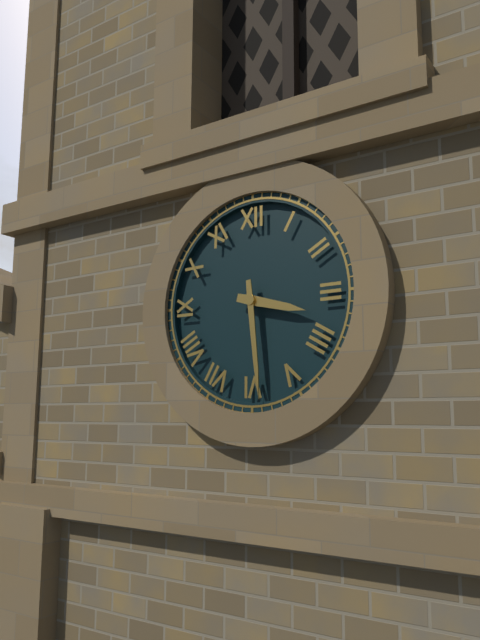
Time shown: {"hour": 3, "minute": 29}
